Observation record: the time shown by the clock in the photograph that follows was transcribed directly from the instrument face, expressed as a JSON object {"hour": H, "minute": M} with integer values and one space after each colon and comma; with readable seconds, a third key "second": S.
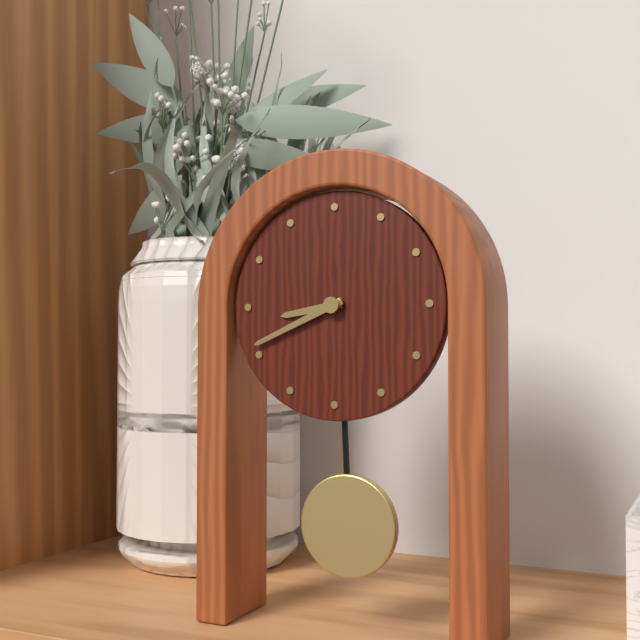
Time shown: {"hour": 8, "minute": 41}
